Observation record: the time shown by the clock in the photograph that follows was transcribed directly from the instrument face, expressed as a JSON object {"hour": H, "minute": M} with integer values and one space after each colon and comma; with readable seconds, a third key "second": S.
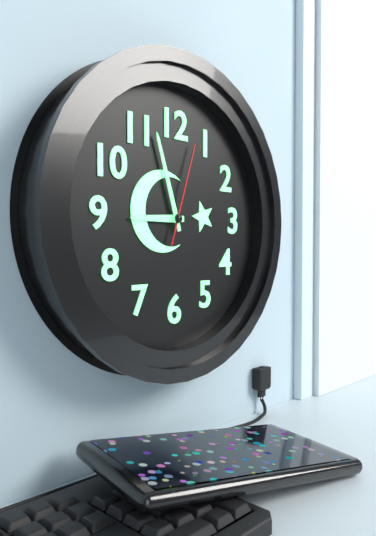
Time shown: {"hour": 8, "minute": 57, "second": 3}
